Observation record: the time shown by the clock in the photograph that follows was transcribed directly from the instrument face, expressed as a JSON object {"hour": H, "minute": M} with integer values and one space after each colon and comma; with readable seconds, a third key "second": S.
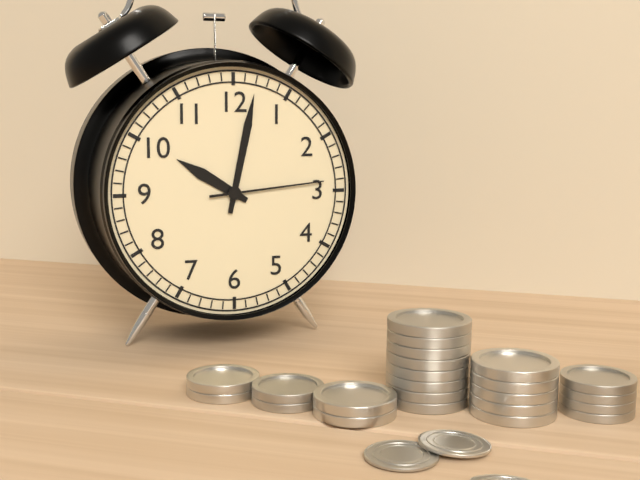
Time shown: {"hour": 10, "minute": 2, "second": 14}
